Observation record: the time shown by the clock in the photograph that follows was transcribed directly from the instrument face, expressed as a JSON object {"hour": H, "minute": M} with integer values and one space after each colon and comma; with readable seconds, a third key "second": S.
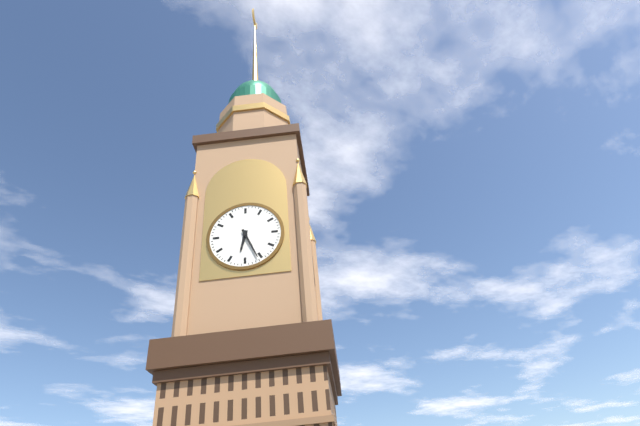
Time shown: {"hour": 6, "minute": 26}
